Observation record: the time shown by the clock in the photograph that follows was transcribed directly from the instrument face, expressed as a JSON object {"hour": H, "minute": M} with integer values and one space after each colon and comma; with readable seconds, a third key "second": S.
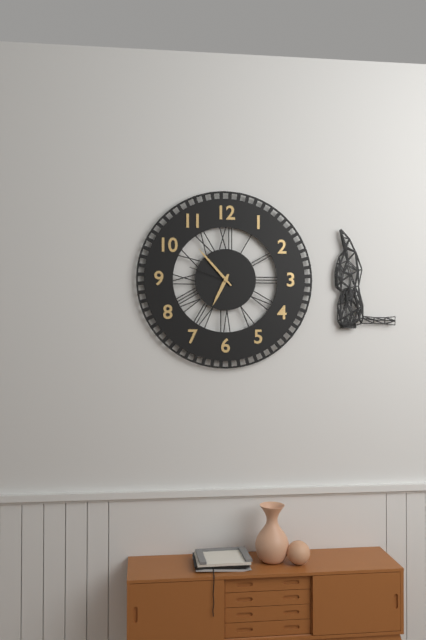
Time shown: {"hour": 6, "minute": 53}
